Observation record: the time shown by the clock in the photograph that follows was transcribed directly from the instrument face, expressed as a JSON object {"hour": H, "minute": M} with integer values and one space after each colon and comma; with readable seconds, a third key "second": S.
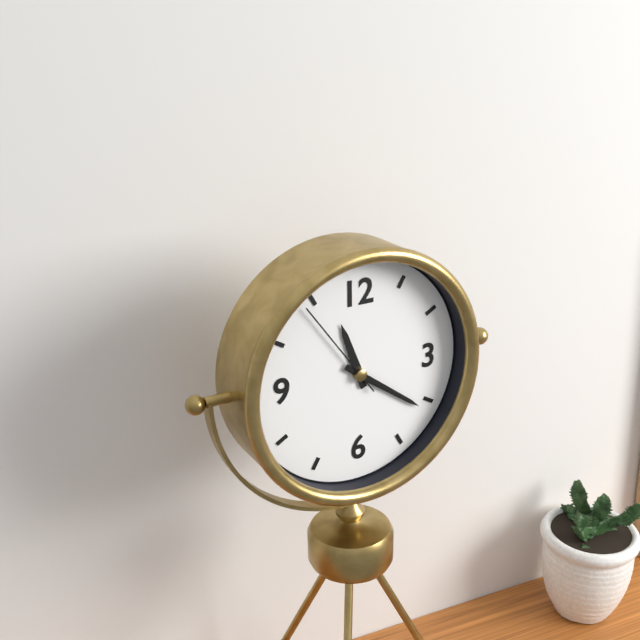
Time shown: {"hour": 11, "minute": 21, "second": 54}
